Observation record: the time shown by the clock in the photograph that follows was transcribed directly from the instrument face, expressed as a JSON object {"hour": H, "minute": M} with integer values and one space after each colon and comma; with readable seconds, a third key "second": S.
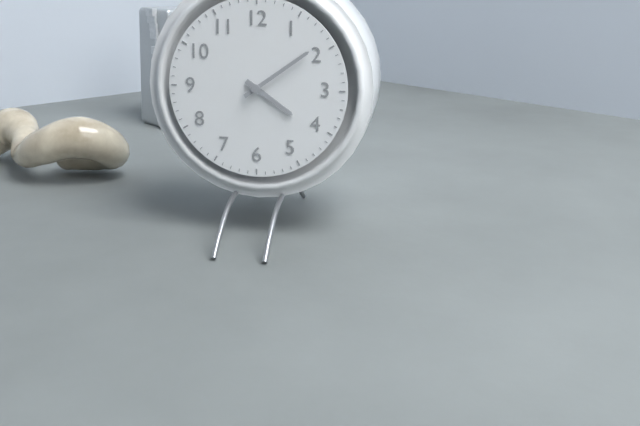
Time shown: {"hour": 4, "minute": 9}
